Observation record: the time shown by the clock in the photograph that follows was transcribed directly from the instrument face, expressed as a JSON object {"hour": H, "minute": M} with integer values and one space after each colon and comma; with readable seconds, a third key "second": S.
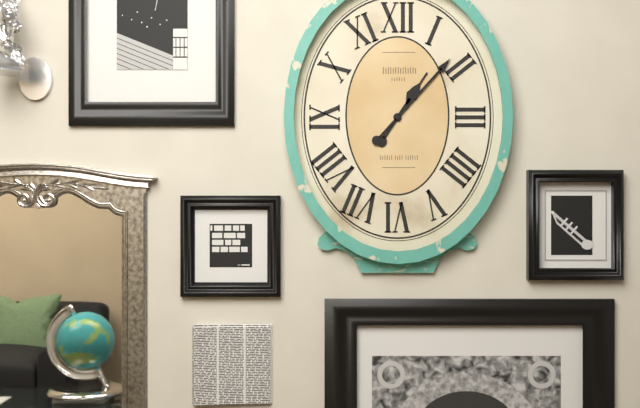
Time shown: {"hour": 1, "minute": 7}
